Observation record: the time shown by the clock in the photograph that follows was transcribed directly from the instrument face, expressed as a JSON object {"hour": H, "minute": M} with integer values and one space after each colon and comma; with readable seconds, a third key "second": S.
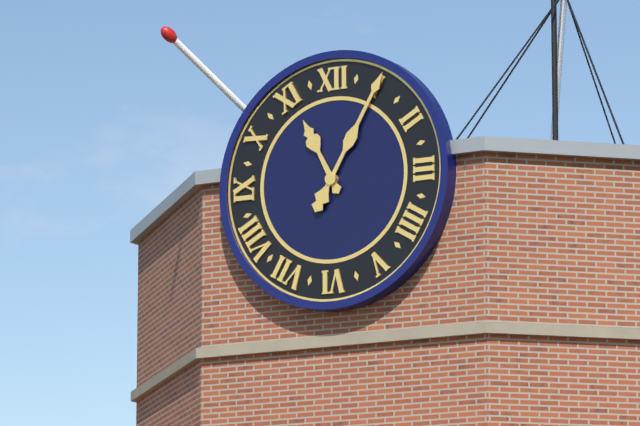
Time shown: {"hour": 11, "minute": 5}
